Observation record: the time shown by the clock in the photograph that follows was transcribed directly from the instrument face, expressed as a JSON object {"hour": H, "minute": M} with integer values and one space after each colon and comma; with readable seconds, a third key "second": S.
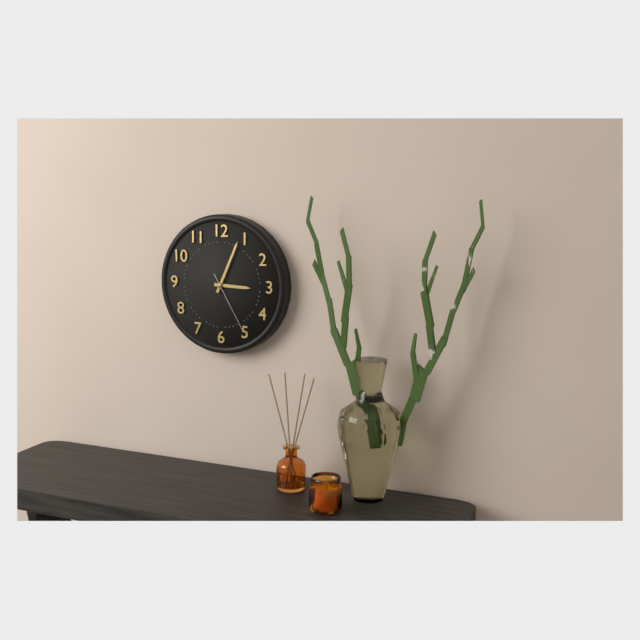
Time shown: {"hour": 3, "minute": 4, "second": 25}
